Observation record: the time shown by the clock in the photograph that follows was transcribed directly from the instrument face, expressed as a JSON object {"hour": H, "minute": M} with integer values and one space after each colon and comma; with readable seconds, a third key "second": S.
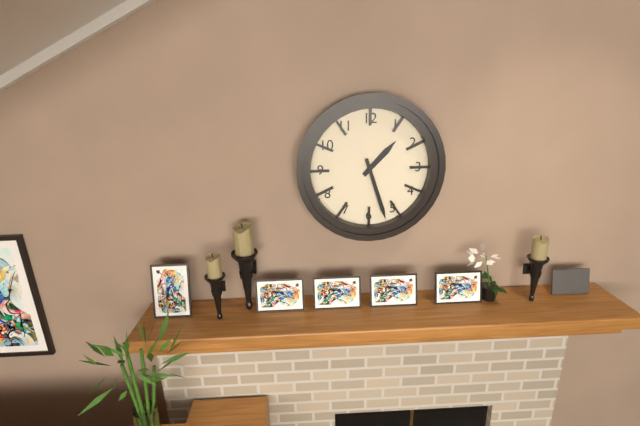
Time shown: {"hour": 1, "minute": 27}
